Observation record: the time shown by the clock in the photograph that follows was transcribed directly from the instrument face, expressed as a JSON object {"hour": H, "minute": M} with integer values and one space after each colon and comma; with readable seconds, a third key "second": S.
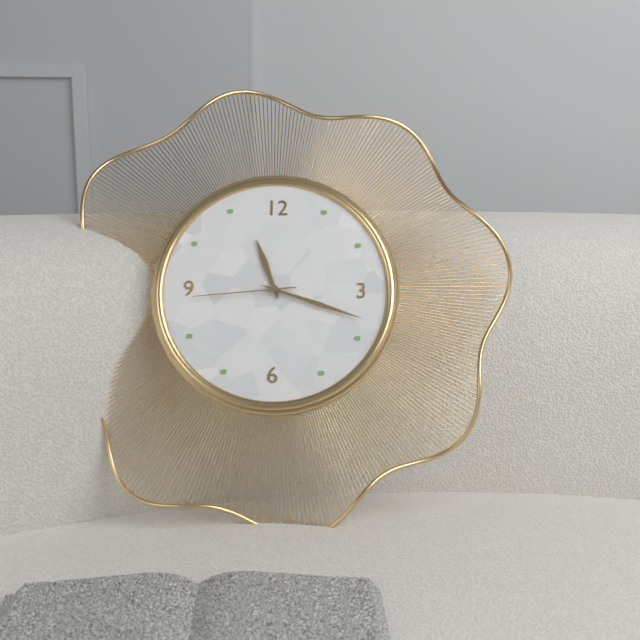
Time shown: {"hour": 11, "minute": 18, "second": 44}
